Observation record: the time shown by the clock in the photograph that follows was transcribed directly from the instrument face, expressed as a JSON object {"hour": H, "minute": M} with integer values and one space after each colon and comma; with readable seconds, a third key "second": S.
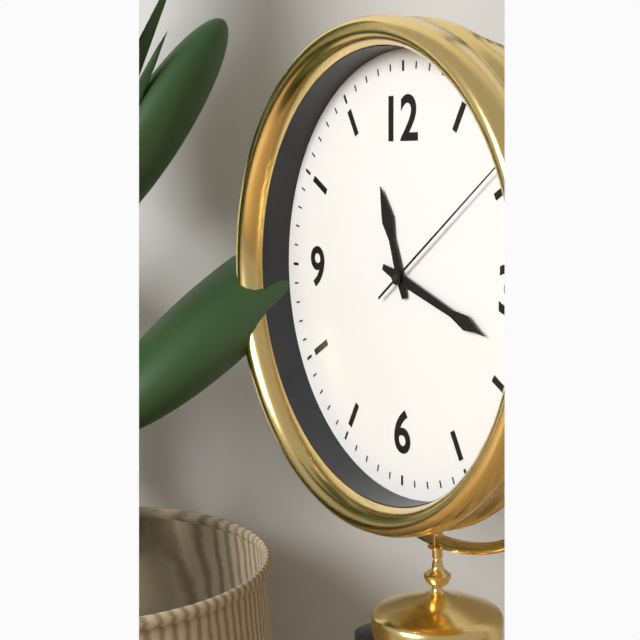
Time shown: {"hour": 11, "minute": 18, "second": 9}
